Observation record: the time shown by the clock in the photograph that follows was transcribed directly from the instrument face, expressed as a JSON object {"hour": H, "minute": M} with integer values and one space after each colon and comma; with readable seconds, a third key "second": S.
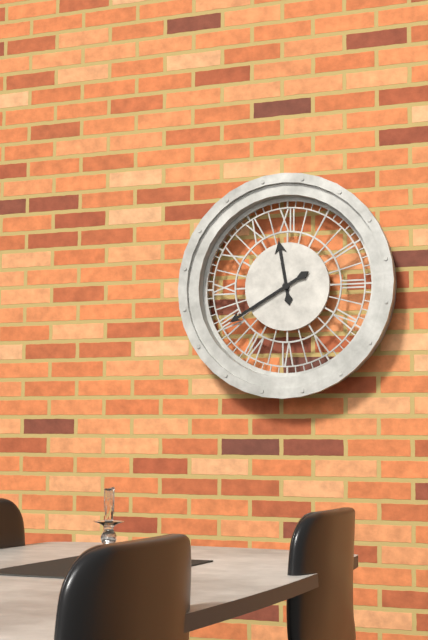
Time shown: {"hour": 11, "minute": 40}
